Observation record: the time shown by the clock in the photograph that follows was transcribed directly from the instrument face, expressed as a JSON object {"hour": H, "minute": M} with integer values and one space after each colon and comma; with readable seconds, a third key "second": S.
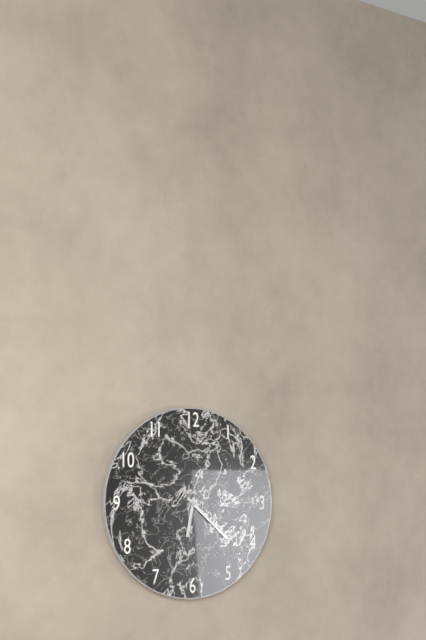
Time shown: {"hour": 6, "minute": 22}
